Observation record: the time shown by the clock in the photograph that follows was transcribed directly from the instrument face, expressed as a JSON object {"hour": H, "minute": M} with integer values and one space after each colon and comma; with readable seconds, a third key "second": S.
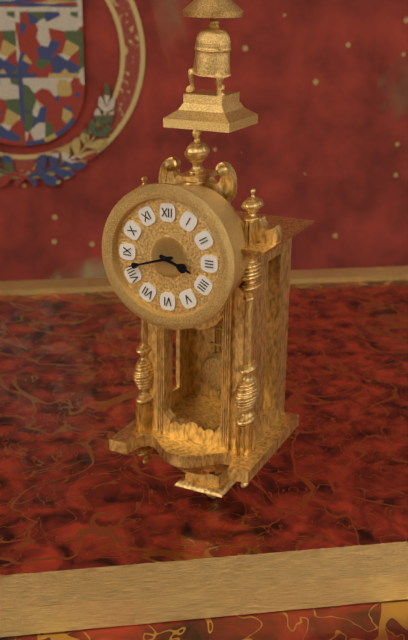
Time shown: {"hour": 3, "minute": 42}
